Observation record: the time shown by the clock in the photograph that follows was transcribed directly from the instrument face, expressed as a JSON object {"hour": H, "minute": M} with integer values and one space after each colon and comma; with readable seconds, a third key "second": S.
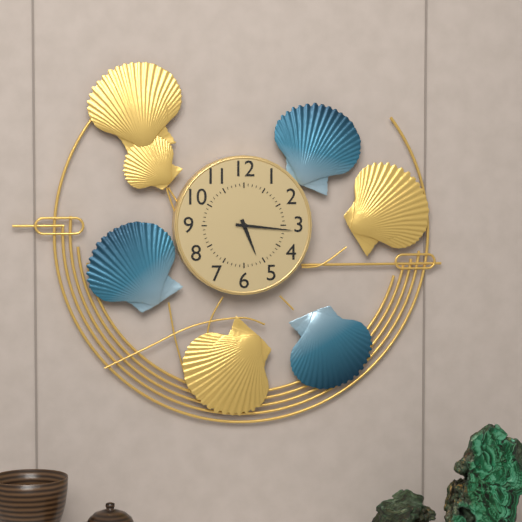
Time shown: {"hour": 5, "minute": 16}
